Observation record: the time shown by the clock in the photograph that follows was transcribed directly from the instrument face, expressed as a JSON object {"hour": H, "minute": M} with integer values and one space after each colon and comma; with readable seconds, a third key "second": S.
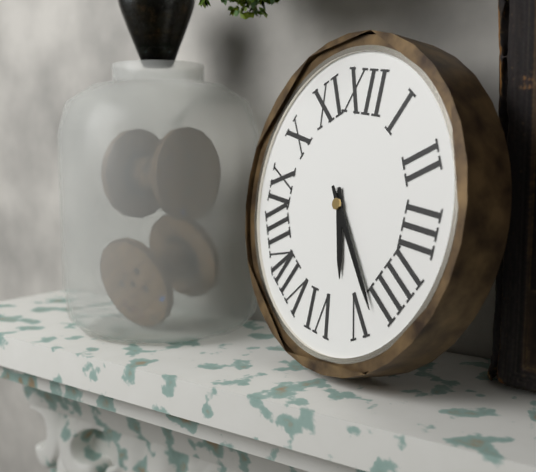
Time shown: {"hour": 5, "minute": 23}
